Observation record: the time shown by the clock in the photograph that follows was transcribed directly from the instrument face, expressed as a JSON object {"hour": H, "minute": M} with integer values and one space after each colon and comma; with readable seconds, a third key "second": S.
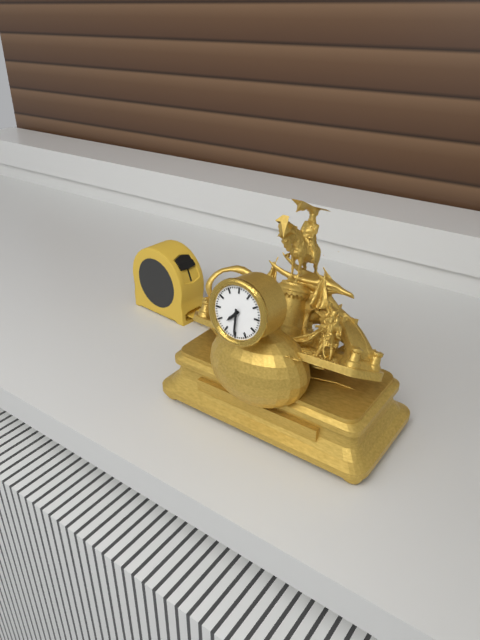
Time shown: {"hour": 7, "minute": 30}
